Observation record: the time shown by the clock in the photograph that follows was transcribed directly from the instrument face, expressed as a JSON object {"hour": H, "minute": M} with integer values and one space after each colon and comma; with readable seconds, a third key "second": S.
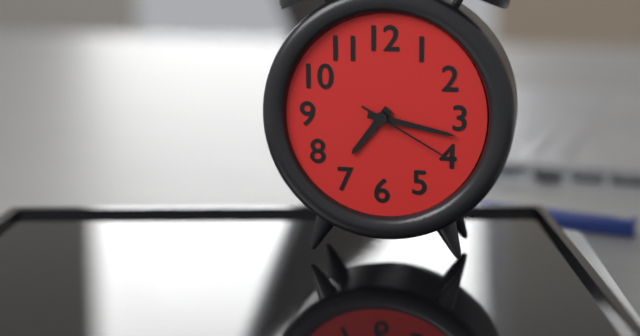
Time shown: {"hour": 7, "minute": 17, "second": 20}
